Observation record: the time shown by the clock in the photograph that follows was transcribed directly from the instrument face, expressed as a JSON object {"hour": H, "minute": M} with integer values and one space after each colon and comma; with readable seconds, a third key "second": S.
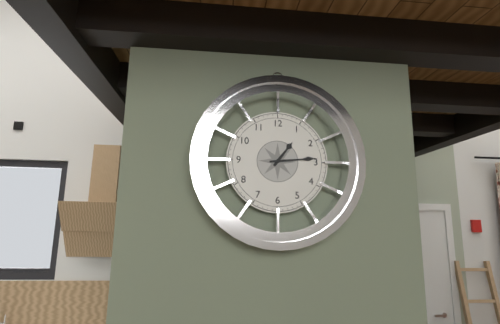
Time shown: {"hour": 1, "minute": 14}
